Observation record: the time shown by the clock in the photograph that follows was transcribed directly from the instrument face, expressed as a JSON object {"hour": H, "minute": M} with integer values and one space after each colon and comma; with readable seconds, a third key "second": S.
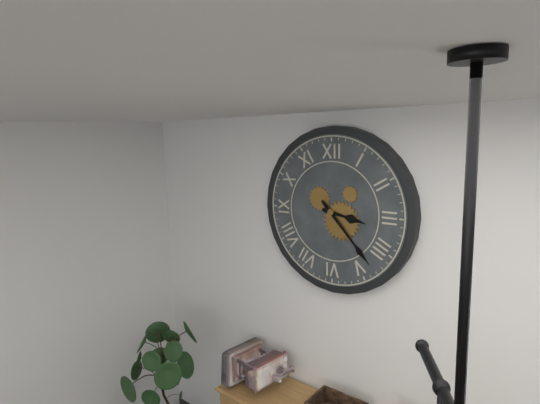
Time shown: {"hour": 3, "minute": 23}
